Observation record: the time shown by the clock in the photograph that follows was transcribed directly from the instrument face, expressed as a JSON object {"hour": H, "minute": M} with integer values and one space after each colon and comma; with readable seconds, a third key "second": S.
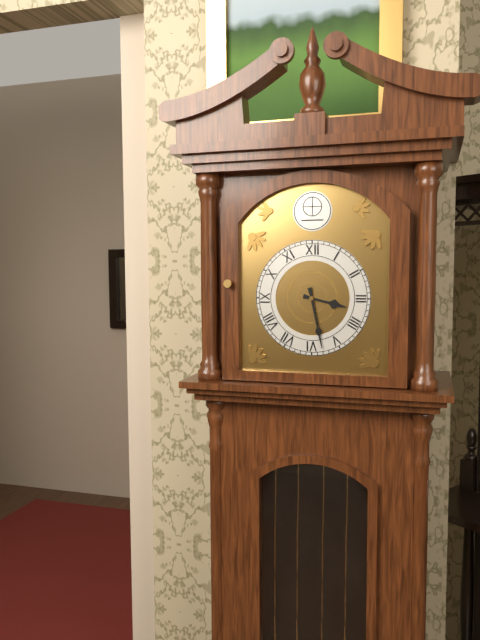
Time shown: {"hour": 3, "minute": 28}
